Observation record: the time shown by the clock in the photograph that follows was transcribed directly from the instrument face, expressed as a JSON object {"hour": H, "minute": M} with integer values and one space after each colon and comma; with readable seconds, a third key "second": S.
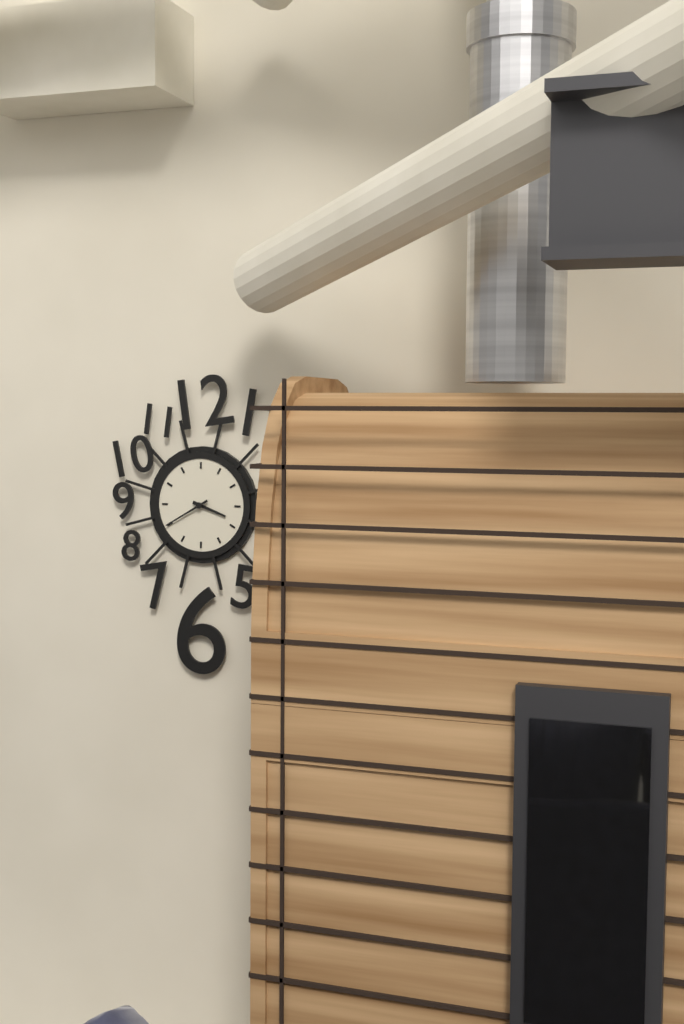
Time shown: {"hour": 3, "minute": 40}
